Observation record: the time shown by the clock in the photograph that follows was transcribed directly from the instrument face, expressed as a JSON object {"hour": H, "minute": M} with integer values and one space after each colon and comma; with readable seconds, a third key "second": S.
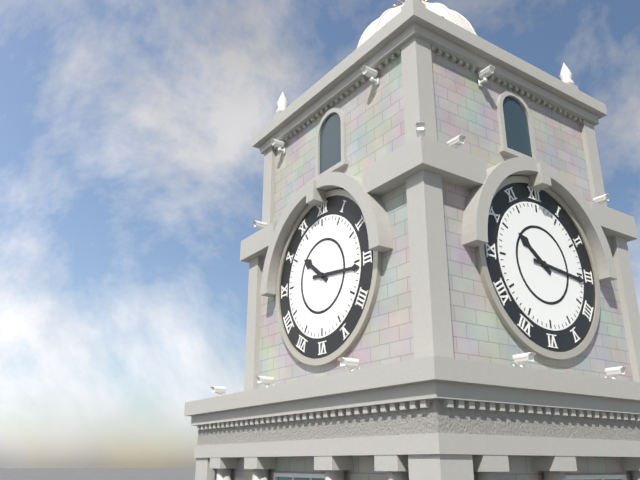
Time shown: {"hour": 10, "minute": 16}
